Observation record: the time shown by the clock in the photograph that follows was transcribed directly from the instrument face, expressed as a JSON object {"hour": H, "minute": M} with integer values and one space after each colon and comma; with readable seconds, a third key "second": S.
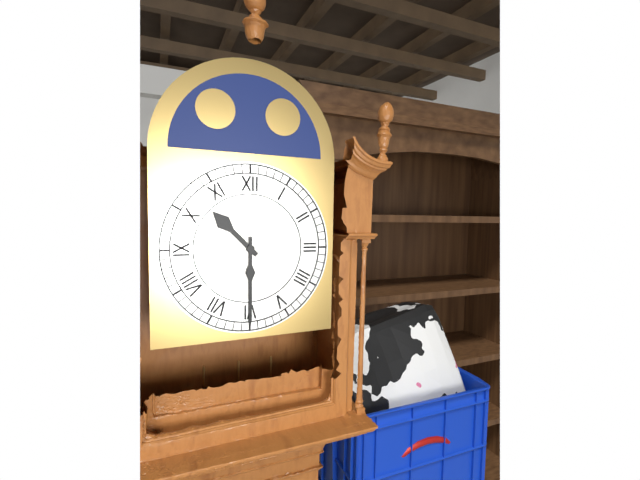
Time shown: {"hour": 10, "minute": 30}
